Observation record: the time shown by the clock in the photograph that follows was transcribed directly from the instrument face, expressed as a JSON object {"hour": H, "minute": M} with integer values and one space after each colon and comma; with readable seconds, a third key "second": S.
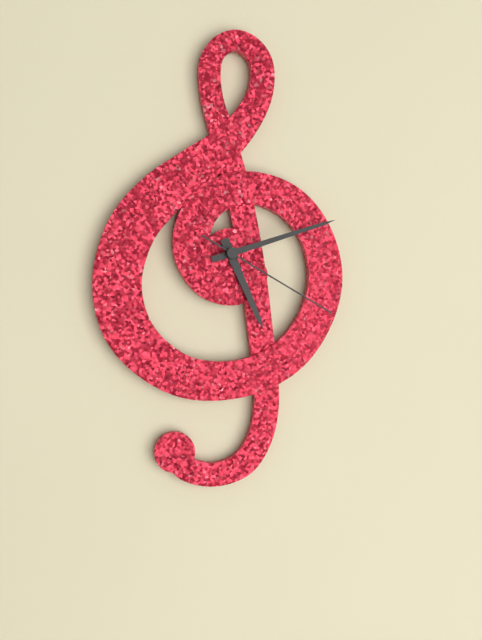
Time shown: {"hour": 5, "minute": 12, "second": 20}
